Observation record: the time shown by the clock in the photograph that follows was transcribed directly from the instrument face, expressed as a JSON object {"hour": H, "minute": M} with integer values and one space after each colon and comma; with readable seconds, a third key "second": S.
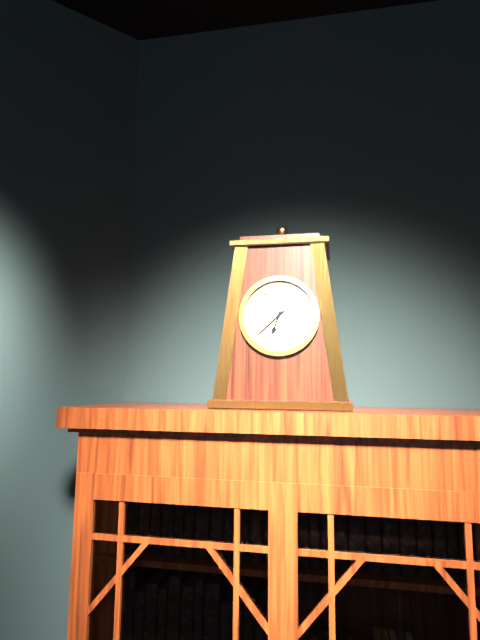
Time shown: {"hour": 6, "minute": 38}
